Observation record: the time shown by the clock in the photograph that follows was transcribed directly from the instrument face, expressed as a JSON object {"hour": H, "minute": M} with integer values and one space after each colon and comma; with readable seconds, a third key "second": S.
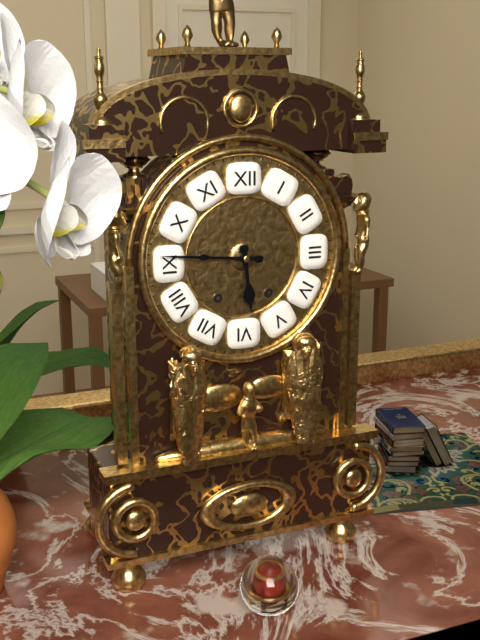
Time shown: {"hour": 5, "minute": 46}
